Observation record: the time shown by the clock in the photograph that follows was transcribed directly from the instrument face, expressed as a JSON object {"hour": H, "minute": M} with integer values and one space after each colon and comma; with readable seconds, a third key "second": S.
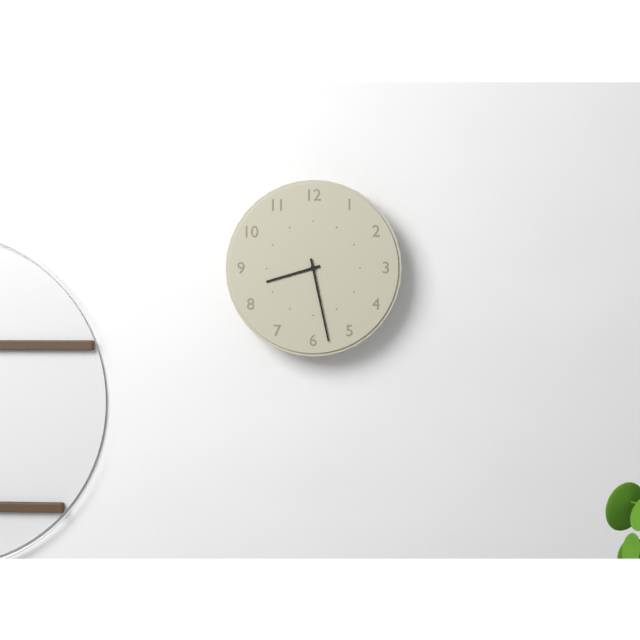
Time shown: {"hour": 8, "minute": 28}
